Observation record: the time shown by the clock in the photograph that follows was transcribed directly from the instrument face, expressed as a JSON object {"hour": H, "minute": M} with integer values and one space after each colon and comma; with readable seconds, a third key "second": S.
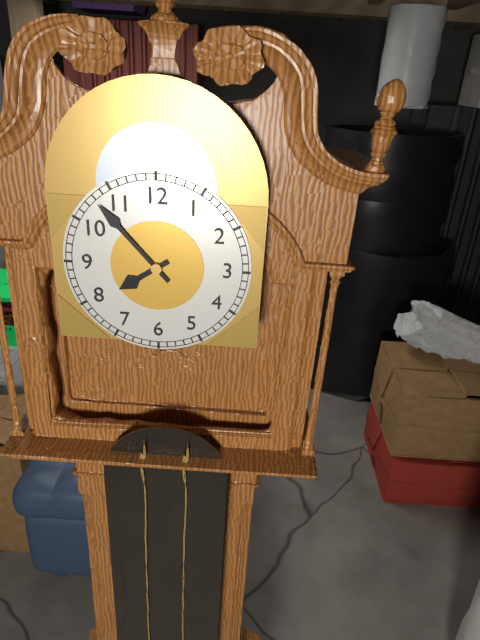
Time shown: {"hour": 7, "minute": 53}
